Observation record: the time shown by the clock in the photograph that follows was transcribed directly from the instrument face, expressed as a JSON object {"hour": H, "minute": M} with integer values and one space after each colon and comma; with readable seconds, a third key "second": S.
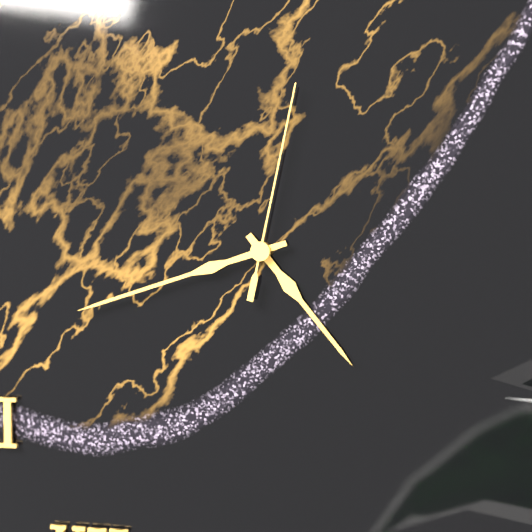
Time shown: {"hour": 4, "minute": 42, "second": 2}
